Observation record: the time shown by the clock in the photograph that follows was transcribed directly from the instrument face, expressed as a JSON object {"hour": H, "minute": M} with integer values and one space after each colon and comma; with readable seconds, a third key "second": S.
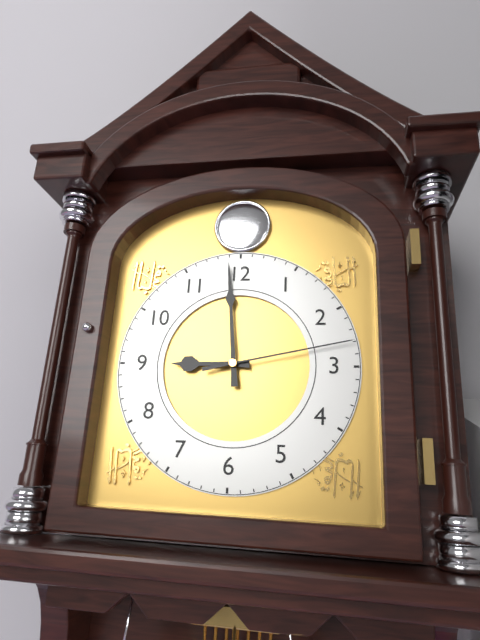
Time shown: {"hour": 8, "minute": 59, "second": 13}
